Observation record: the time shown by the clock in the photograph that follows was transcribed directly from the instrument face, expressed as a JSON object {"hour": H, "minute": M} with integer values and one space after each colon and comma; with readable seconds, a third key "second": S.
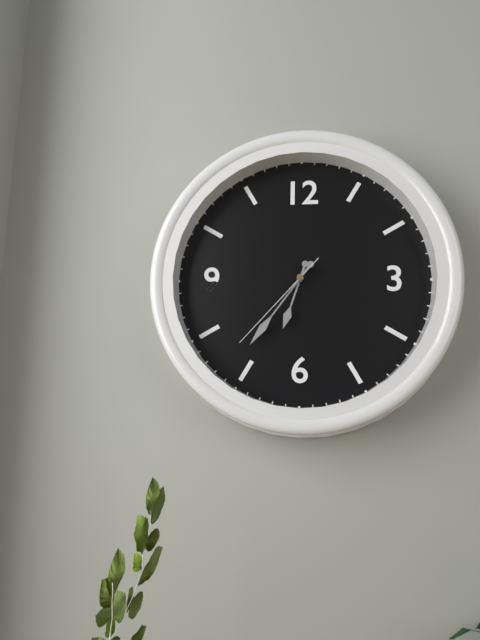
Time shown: {"hour": 6, "minute": 36, "second": 37}
